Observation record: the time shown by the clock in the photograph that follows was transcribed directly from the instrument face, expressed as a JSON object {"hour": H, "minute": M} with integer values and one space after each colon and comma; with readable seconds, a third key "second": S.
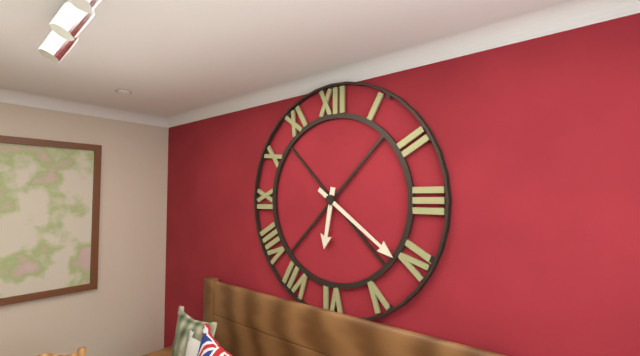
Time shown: {"hour": 6, "minute": 21}
